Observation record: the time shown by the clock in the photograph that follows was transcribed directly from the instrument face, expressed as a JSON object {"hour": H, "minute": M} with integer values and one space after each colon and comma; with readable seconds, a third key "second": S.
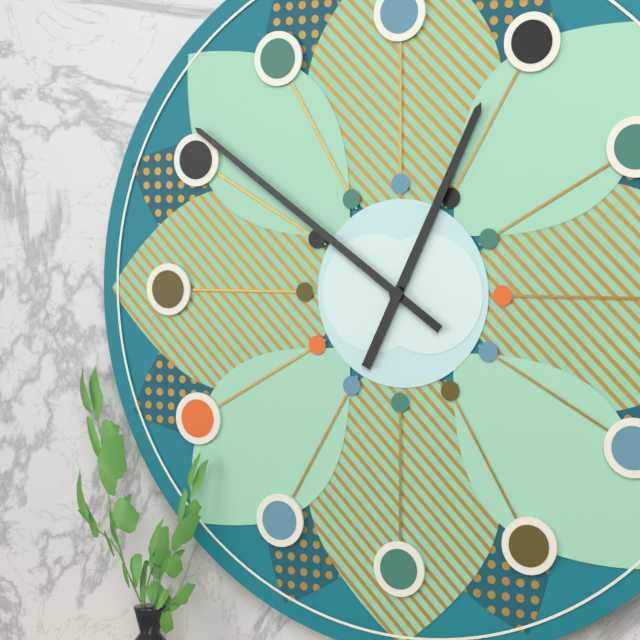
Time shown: {"hour": 12, "minute": 51}
